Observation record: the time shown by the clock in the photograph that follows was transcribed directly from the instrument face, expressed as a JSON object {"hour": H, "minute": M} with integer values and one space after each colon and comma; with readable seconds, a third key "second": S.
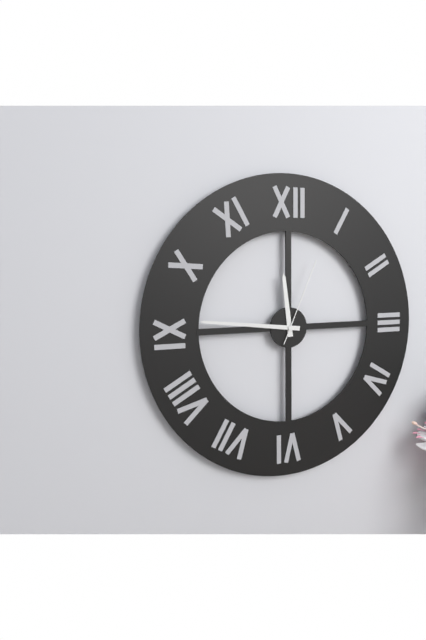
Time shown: {"hour": 11, "minute": 46, "second": 4}
